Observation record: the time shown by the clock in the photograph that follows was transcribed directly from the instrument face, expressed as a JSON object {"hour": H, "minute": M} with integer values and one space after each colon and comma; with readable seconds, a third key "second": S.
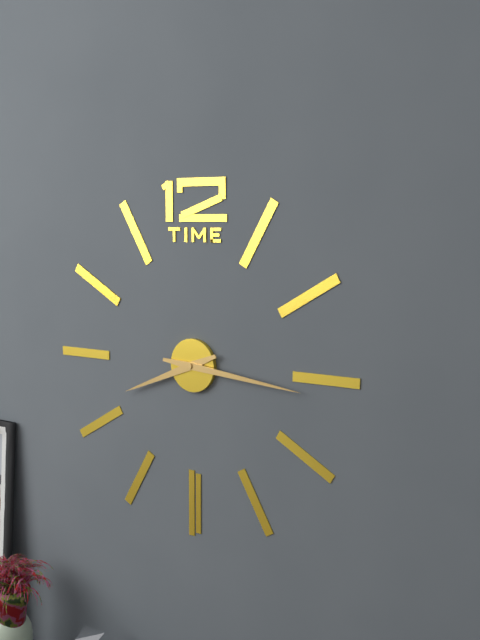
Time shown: {"hour": 8, "minute": 16}
